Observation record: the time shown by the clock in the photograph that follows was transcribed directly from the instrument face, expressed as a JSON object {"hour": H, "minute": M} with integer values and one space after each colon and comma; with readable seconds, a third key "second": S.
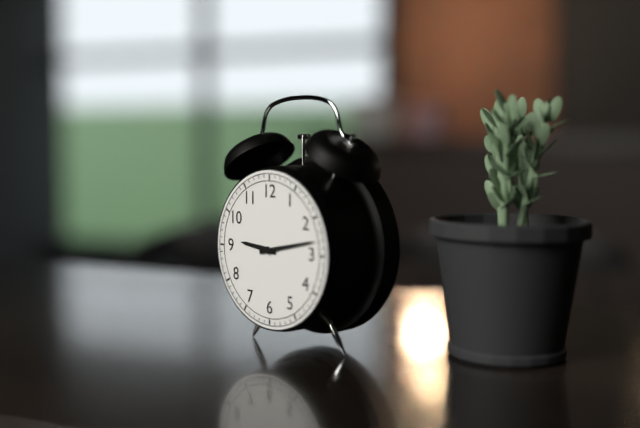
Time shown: {"hour": 9, "minute": 13}
